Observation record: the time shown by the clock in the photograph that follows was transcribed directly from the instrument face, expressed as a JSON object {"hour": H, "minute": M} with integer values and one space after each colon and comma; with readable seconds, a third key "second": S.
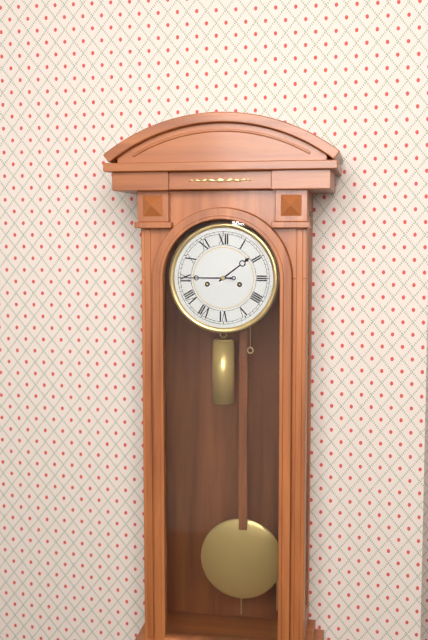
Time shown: {"hour": 1, "minute": 45}
